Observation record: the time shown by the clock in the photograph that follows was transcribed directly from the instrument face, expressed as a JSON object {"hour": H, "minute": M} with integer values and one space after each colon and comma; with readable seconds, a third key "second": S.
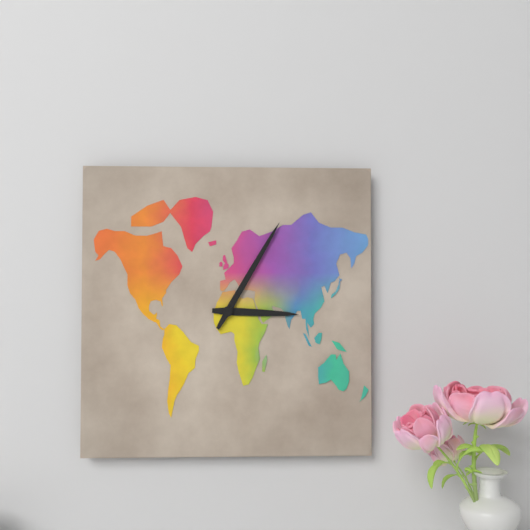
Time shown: {"hour": 3, "minute": 5}
